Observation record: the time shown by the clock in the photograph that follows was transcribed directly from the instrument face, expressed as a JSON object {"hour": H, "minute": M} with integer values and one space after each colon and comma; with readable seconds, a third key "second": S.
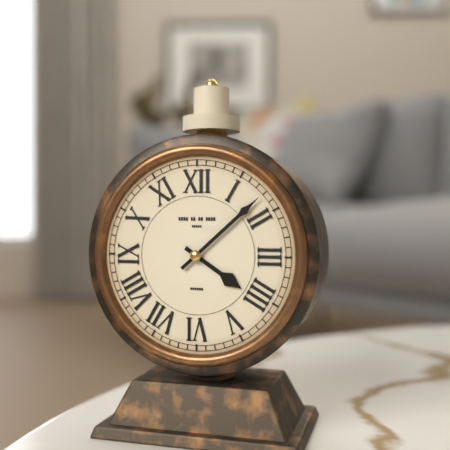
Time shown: {"hour": 4, "minute": 8}
